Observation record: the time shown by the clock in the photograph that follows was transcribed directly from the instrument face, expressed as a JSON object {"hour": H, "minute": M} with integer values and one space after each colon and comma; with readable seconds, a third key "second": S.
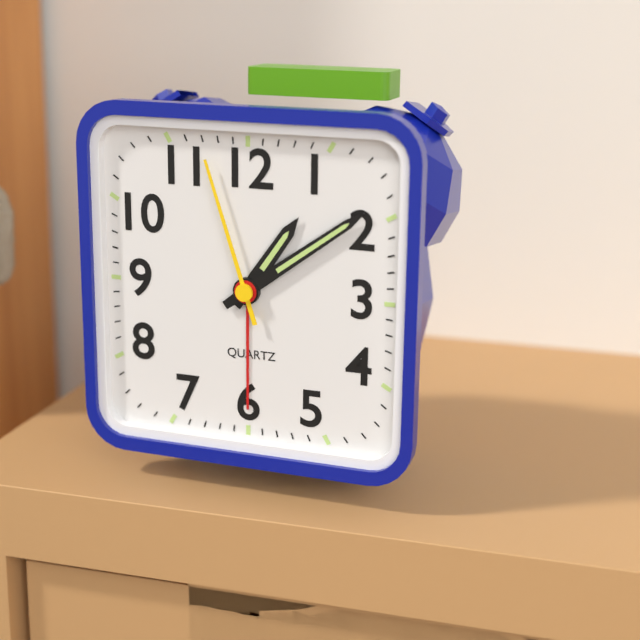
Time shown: {"hour": 1, "minute": 9, "second": 57}
